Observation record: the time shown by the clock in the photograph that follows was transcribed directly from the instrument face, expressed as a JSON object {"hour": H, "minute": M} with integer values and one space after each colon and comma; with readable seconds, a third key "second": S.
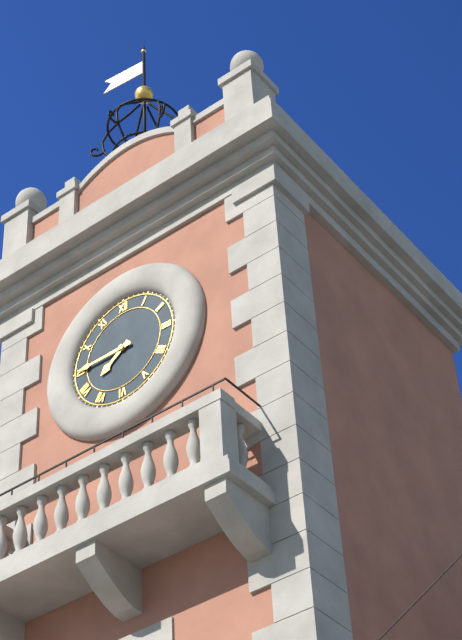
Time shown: {"hour": 7, "minute": 45}
